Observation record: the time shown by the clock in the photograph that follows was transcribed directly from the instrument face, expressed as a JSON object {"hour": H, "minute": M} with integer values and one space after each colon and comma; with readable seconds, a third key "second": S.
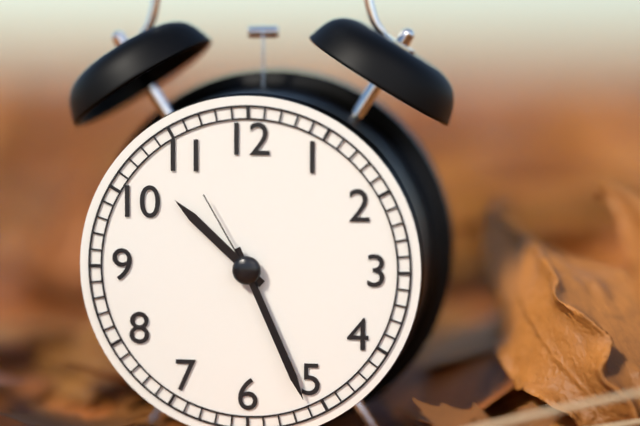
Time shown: {"hour": 10, "minute": 26, "second": 55}
